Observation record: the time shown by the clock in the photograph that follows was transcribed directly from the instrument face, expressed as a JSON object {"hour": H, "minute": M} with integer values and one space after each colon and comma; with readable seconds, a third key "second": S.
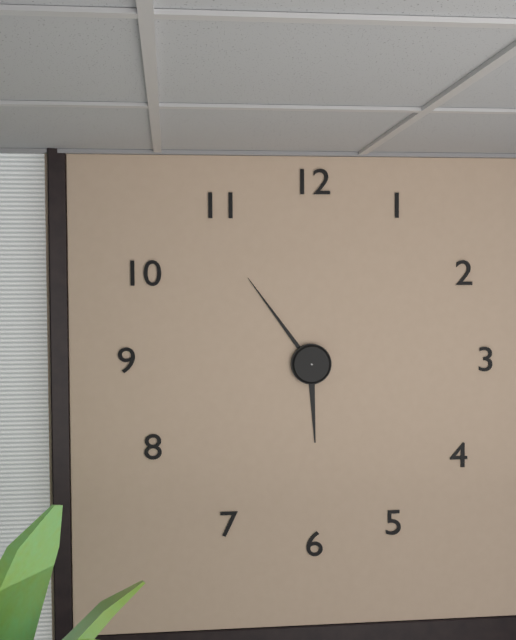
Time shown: {"hour": 5, "minute": 54}
